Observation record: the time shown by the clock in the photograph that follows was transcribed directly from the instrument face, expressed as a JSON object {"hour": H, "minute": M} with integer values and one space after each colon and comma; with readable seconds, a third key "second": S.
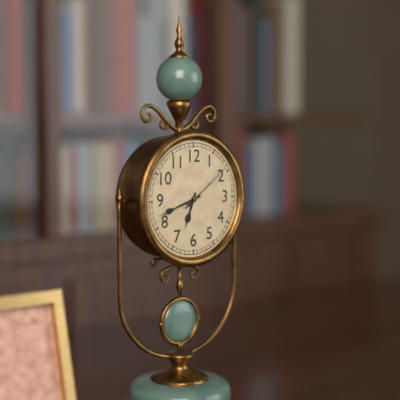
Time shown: {"hour": 6, "minute": 42, "second": 9}
